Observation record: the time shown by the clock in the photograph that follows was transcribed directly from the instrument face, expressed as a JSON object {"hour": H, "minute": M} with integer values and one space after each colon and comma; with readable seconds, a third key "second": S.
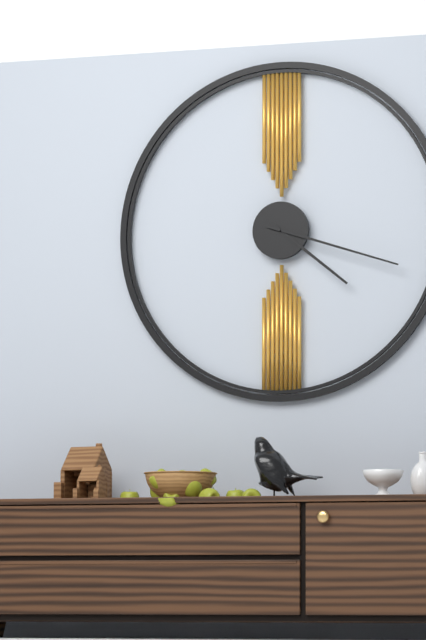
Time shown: {"hour": 4, "minute": 18}
